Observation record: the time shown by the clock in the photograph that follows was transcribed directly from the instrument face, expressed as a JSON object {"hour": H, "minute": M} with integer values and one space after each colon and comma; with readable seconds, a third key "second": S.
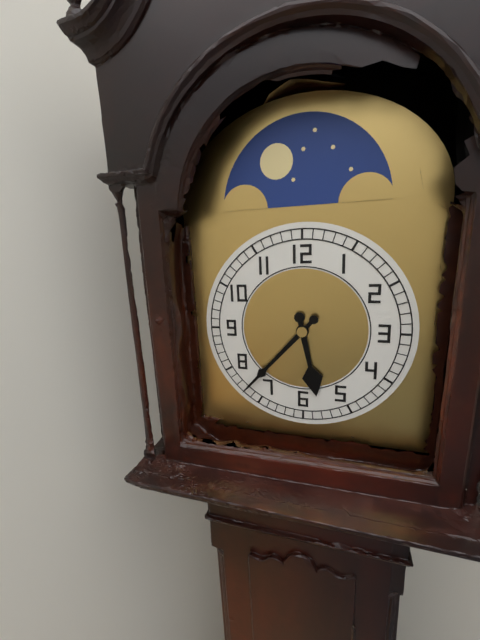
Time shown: {"hour": 5, "minute": 37}
